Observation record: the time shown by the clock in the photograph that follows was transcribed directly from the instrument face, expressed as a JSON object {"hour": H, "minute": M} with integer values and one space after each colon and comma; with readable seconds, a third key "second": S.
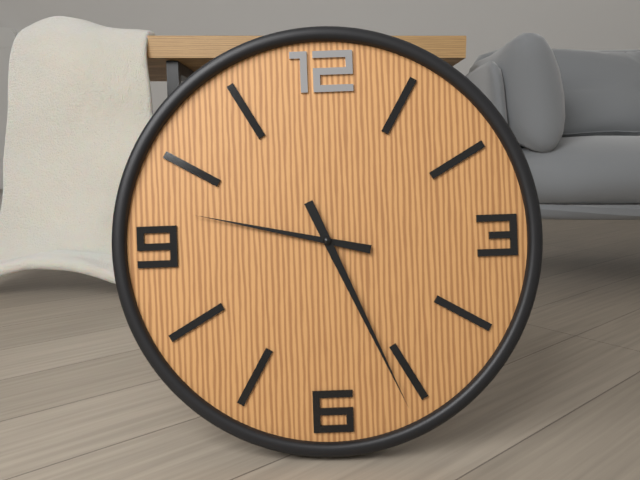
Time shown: {"hour": 9, "minute": 26}
